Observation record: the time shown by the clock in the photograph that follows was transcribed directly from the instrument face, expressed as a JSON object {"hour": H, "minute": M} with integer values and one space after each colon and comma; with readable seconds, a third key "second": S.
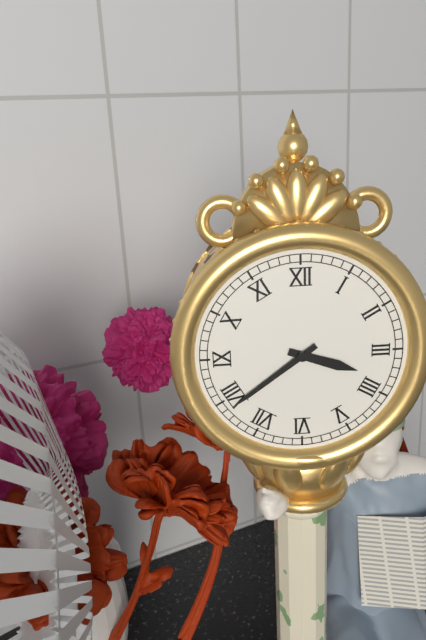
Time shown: {"hour": 3, "minute": 39}
